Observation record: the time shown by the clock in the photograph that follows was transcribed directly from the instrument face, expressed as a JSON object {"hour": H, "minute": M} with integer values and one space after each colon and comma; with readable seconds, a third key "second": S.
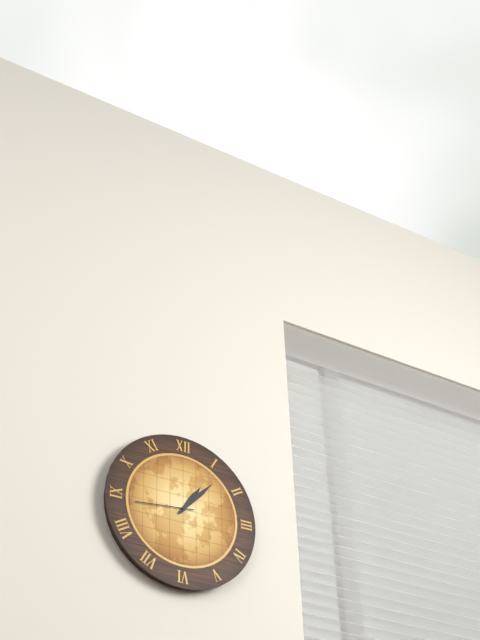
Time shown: {"hour": 1, "minute": 7, "second": 44}
